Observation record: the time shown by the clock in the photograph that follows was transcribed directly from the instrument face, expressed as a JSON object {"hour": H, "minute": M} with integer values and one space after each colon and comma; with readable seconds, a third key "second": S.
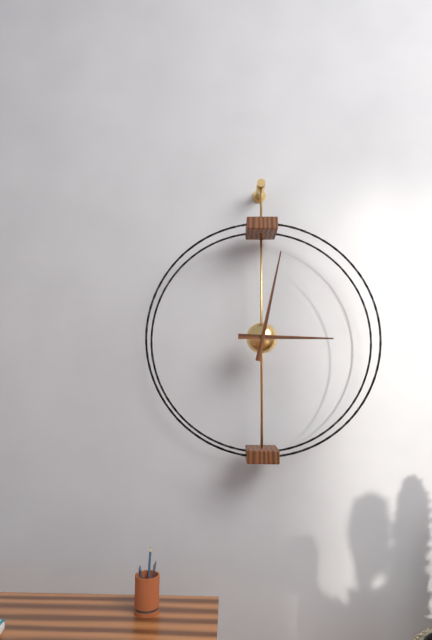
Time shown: {"hour": 3, "minute": 2}
